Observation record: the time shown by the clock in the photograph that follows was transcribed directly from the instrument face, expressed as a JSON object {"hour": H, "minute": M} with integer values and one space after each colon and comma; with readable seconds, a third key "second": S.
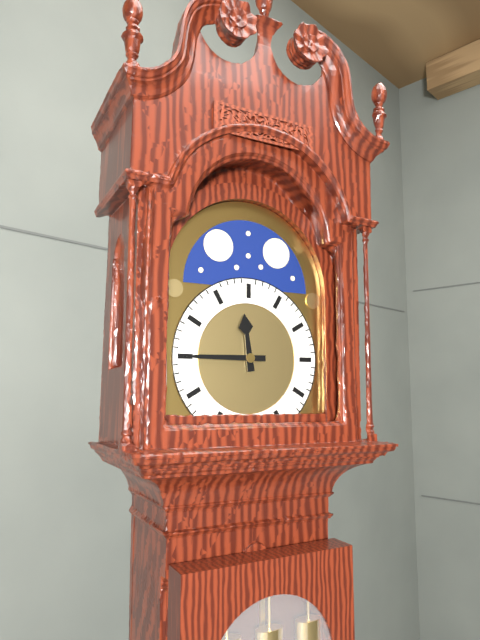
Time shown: {"hour": 11, "minute": 45}
